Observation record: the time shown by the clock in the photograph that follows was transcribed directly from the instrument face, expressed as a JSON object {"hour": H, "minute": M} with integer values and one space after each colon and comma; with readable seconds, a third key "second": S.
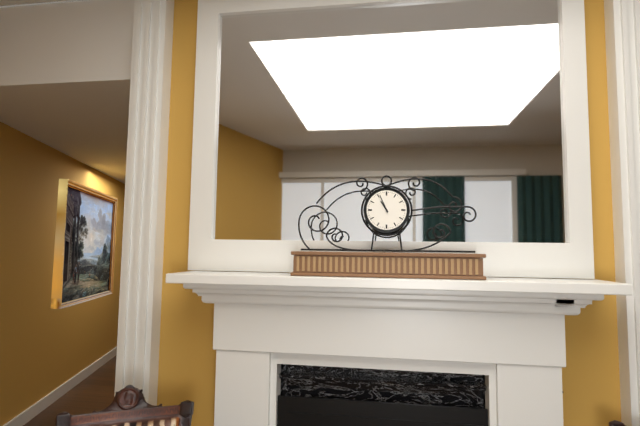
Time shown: {"hour": 10, "minute": 56}
